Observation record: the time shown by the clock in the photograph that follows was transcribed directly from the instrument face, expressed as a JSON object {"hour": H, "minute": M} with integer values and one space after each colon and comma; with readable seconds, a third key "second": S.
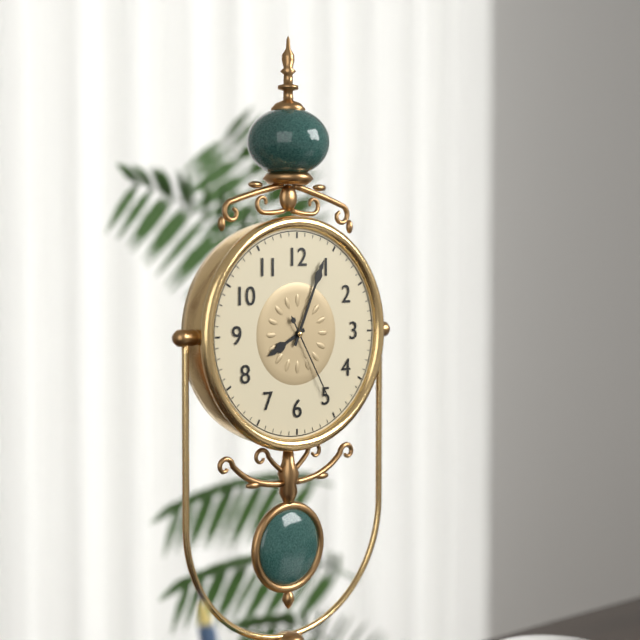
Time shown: {"hour": 8, "minute": 4, "second": 25}
